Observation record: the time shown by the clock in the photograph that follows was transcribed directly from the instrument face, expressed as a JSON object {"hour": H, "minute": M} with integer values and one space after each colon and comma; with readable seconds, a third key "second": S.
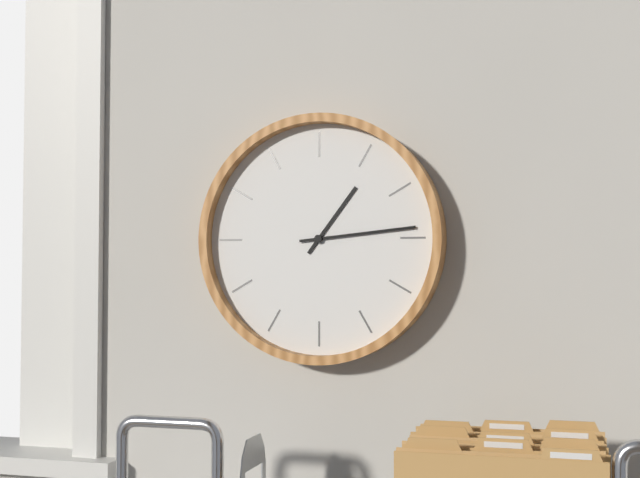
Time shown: {"hour": 1, "minute": 14}
